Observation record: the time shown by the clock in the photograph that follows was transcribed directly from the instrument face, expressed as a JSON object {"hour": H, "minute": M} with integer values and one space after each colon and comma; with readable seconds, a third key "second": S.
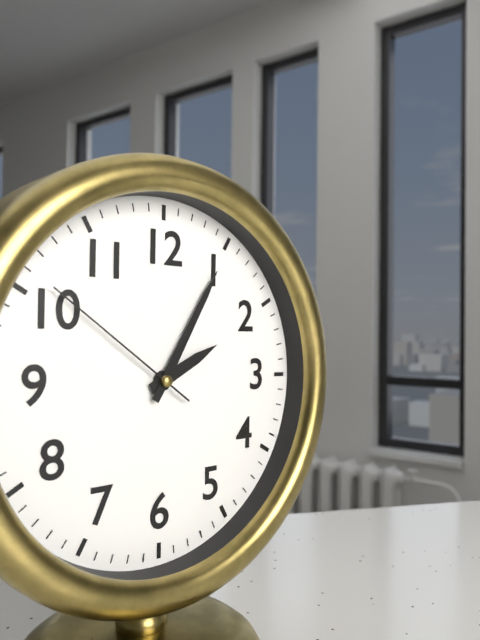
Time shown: {"hour": 2, "minute": 5, "second": 51}
